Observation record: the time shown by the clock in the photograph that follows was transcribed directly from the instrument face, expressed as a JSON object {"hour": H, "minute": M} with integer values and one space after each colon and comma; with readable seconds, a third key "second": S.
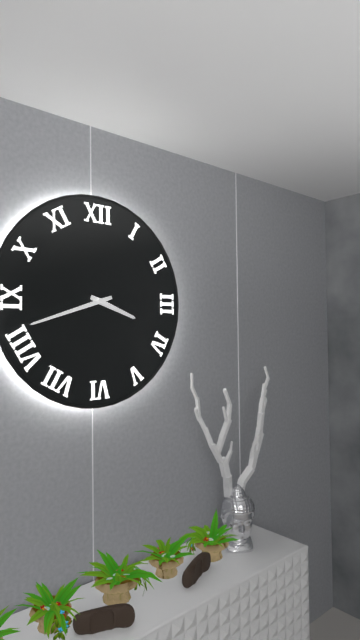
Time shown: {"hour": 3, "minute": 42}
